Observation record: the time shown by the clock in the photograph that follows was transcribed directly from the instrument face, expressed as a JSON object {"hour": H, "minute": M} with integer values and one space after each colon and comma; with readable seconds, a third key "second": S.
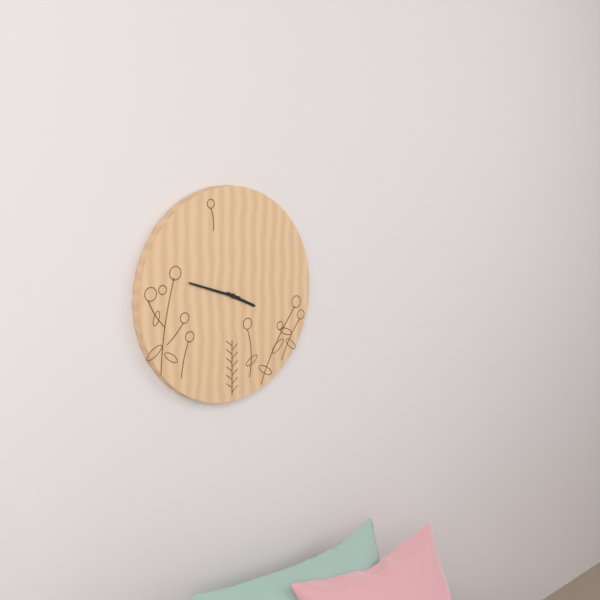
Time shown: {"hour": 3, "minute": 48}
